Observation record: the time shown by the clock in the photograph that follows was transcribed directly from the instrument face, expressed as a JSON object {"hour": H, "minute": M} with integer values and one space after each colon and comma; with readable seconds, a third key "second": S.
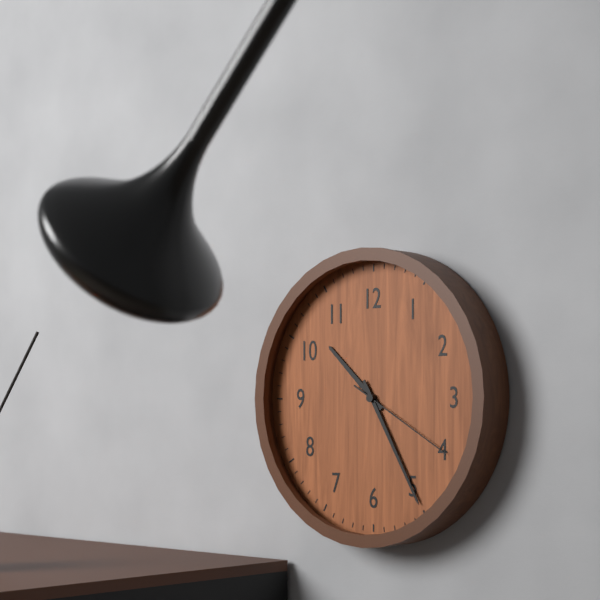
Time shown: {"hour": 10, "minute": 25, "second": 20}
